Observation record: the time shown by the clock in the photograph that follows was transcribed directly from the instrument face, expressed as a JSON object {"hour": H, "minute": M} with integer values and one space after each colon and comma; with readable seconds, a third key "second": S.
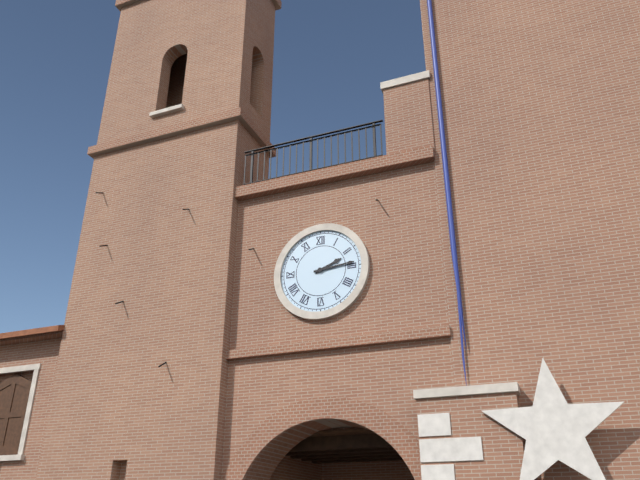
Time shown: {"hour": 2, "minute": 14}
